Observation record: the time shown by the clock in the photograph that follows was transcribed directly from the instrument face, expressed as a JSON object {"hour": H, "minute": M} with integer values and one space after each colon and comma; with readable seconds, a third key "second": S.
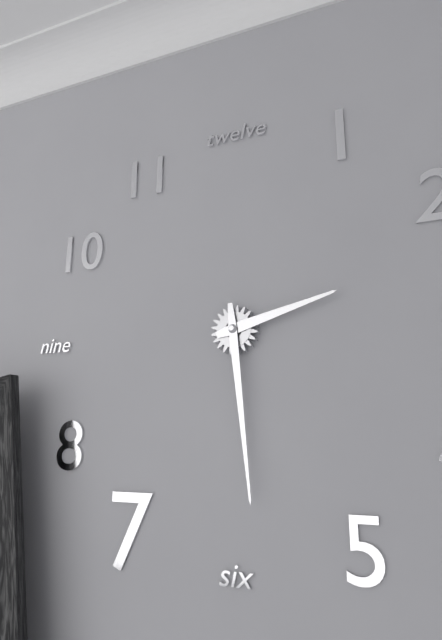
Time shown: {"hour": 2, "minute": 29}
